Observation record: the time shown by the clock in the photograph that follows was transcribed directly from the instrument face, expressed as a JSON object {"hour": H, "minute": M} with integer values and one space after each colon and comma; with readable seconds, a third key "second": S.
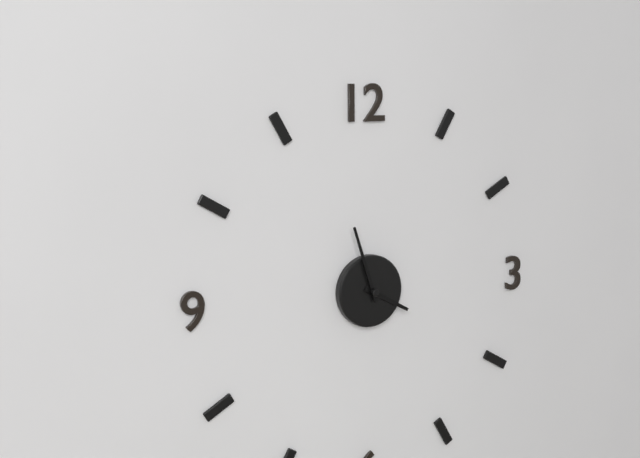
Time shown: {"hour": 3, "minute": 57}
